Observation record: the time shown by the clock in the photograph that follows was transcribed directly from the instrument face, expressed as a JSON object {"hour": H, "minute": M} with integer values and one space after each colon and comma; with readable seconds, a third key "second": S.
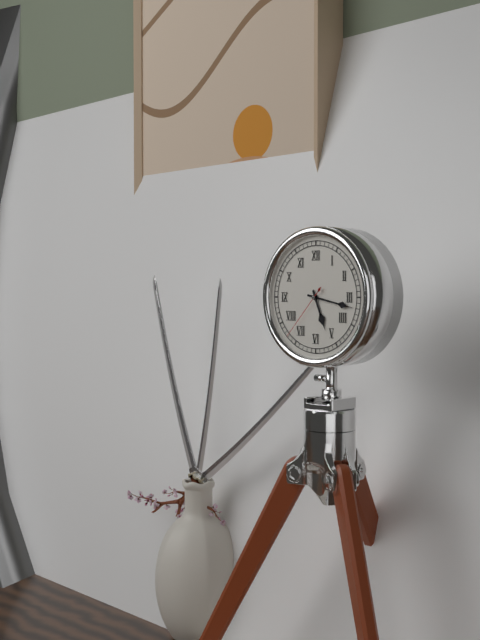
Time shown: {"hour": 5, "minute": 17, "second": 37}
